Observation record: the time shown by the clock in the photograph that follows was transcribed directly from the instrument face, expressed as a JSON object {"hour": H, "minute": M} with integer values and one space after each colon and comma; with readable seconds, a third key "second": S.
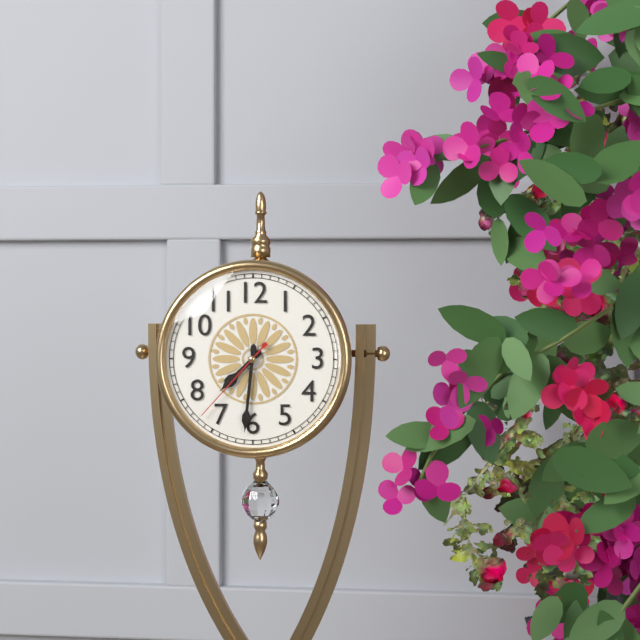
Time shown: {"hour": 7, "minute": 31, "second": 37}
